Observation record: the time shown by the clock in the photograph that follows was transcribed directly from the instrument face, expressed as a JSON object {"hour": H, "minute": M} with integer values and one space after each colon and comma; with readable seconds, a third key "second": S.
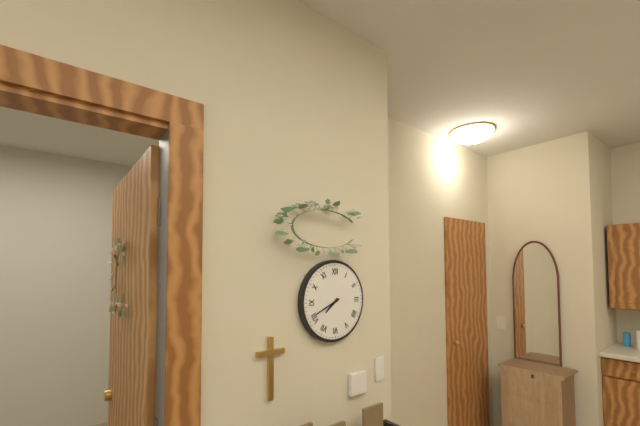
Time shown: {"hour": 7, "minute": 41}
